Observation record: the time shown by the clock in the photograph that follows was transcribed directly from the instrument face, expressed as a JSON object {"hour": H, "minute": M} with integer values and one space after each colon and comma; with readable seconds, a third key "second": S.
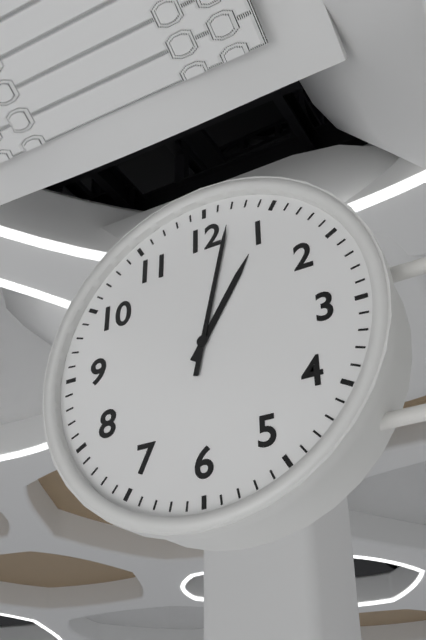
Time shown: {"hour": 1, "minute": 2}
